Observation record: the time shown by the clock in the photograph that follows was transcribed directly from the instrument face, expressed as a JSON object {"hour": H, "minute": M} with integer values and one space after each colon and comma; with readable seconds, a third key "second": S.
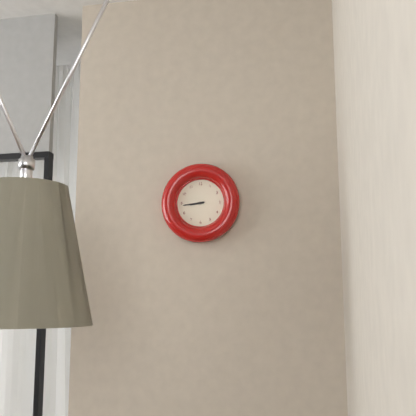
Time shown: {"hour": 8, "minute": 44}
